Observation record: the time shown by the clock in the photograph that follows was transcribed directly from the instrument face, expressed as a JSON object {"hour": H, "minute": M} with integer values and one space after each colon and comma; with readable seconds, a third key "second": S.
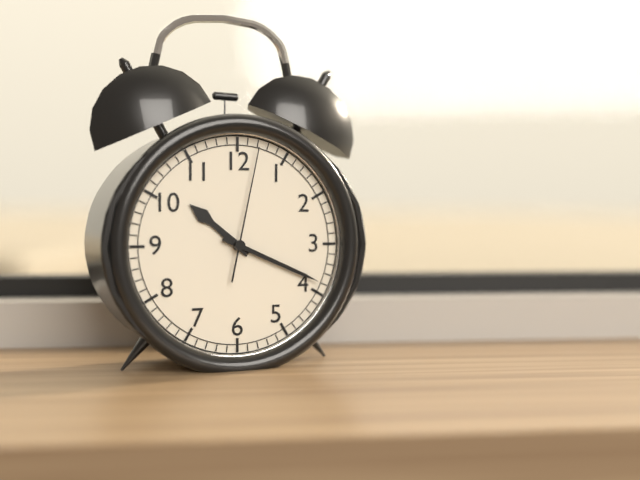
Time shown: {"hour": 10, "minute": 19, "second": 2}
